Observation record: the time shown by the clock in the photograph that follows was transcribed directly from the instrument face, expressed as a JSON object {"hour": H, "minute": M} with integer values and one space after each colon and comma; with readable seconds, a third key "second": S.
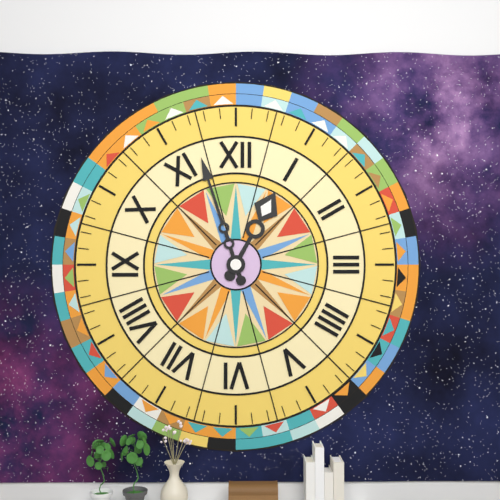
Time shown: {"hour": 12, "minute": 57}
